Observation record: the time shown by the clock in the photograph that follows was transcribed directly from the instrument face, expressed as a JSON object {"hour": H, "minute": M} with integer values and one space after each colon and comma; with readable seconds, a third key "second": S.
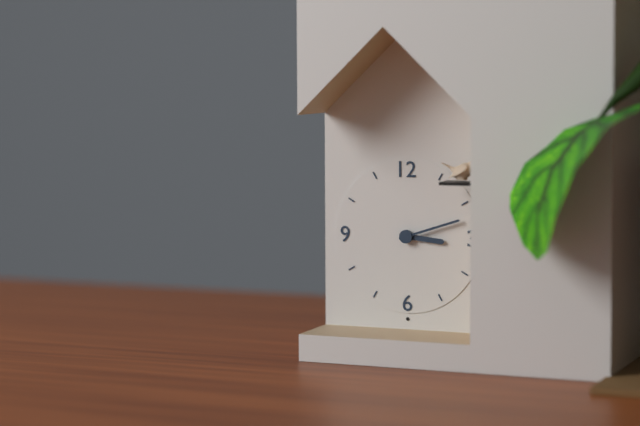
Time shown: {"hour": 3, "minute": 12}
